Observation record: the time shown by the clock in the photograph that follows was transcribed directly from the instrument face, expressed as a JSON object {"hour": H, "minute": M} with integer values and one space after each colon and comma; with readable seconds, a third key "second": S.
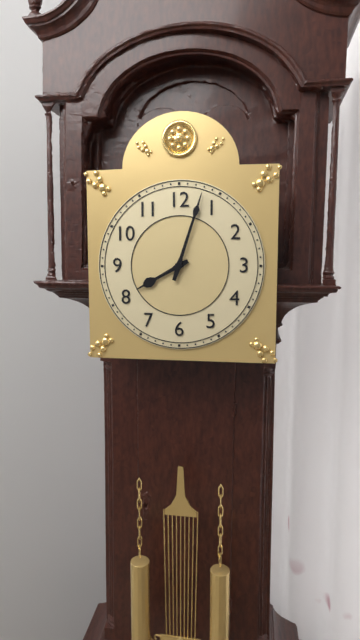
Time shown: {"hour": 8, "minute": 3}
